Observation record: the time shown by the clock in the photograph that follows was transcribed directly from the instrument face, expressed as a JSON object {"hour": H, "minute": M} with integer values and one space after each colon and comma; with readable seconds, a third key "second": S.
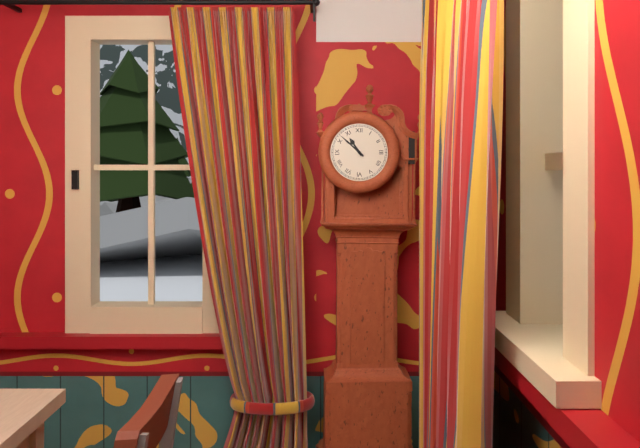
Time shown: {"hour": 10, "minute": 52}
